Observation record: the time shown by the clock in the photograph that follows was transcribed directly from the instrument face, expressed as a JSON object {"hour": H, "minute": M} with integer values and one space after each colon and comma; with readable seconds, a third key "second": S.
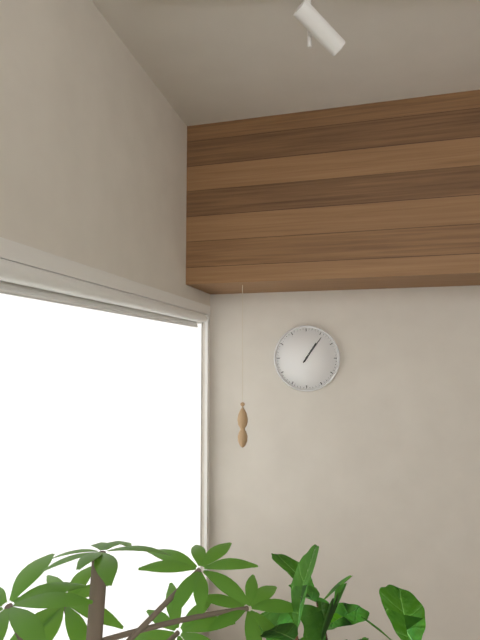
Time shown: {"hour": 1, "minute": 6}
